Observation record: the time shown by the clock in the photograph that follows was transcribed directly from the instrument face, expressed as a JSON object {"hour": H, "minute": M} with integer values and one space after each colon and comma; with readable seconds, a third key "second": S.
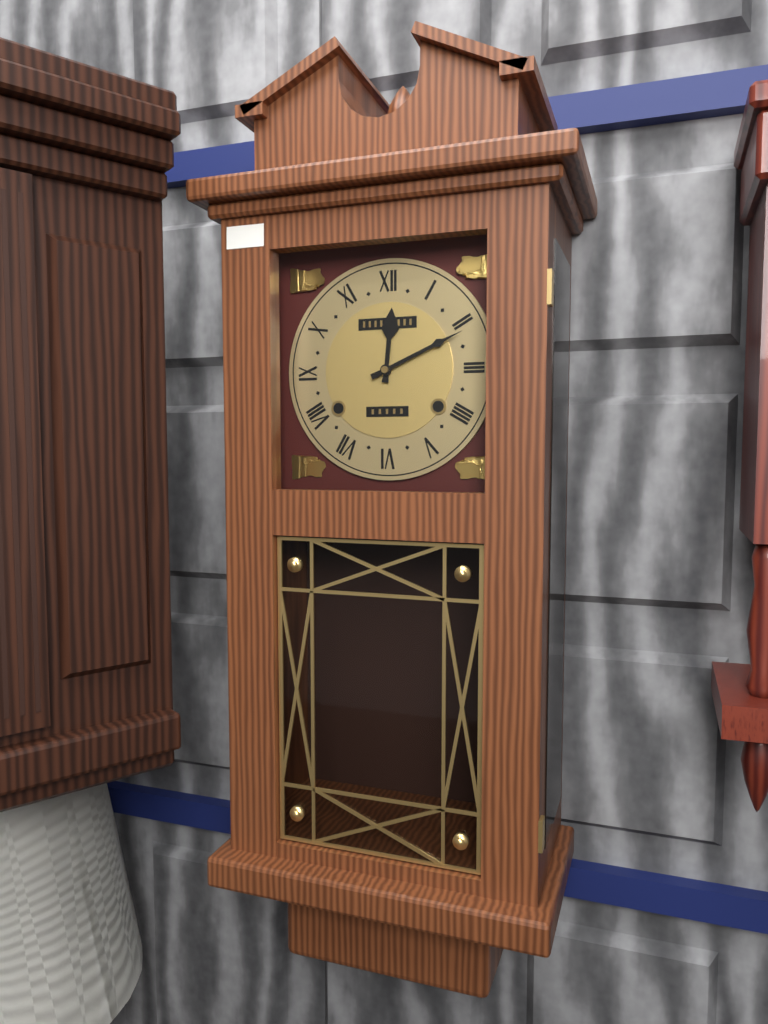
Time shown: {"hour": 12, "minute": 11}
